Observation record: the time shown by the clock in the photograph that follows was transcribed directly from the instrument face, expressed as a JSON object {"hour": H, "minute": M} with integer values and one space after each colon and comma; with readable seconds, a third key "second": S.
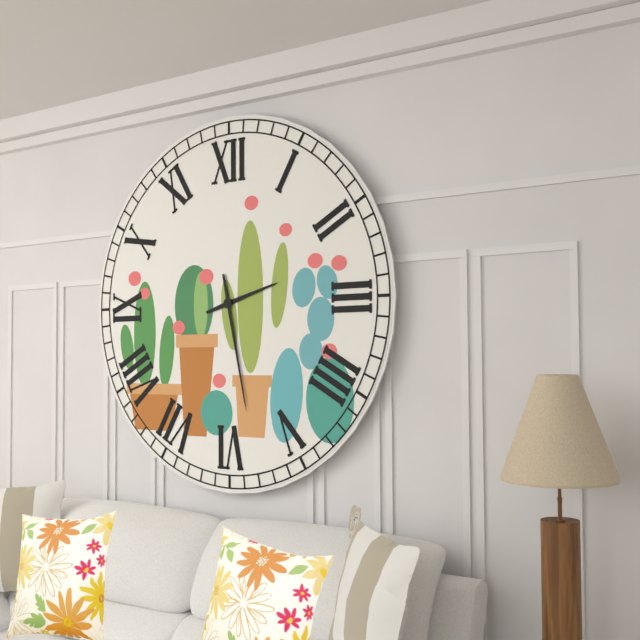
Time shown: {"hour": 2, "minute": 28}
